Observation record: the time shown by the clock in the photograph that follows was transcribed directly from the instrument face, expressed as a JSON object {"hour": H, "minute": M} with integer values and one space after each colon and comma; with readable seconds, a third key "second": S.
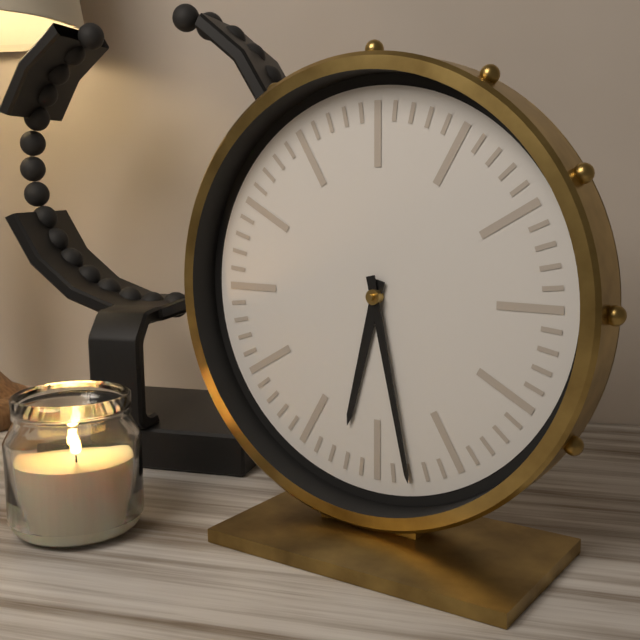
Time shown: {"hour": 6, "minute": 28}
